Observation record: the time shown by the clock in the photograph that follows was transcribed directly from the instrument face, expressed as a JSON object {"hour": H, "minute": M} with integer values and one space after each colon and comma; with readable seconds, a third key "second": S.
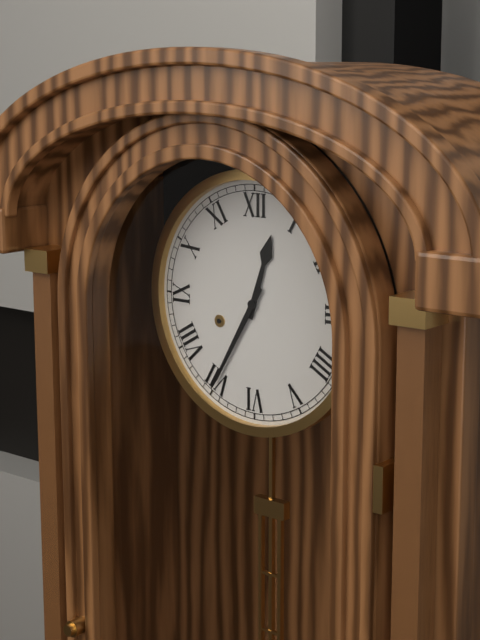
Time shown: {"hour": 12, "minute": 35}
